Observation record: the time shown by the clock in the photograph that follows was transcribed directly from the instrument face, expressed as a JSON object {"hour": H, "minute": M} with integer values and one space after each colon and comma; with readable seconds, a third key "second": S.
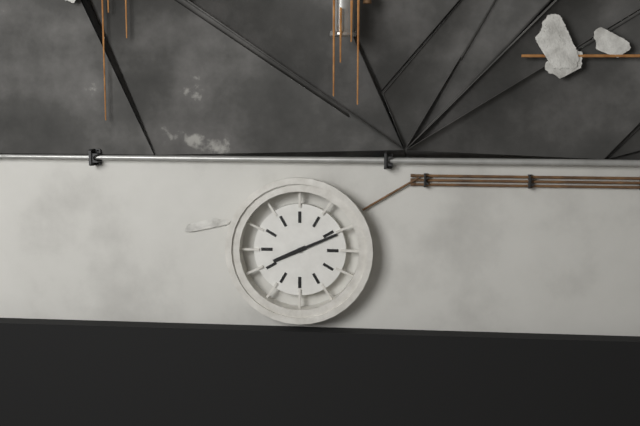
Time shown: {"hour": 8, "minute": 11}
